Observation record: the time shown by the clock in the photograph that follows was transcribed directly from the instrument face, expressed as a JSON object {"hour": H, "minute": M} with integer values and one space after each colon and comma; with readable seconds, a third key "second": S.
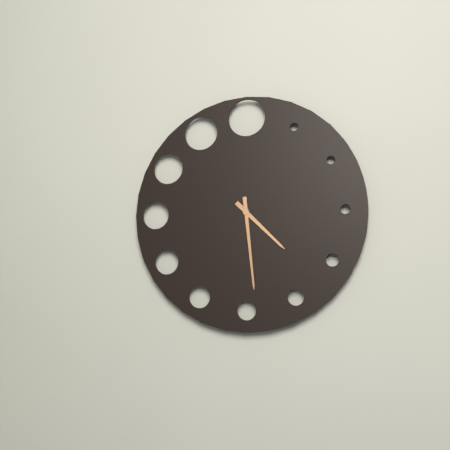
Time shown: {"hour": 4, "minute": 29}
